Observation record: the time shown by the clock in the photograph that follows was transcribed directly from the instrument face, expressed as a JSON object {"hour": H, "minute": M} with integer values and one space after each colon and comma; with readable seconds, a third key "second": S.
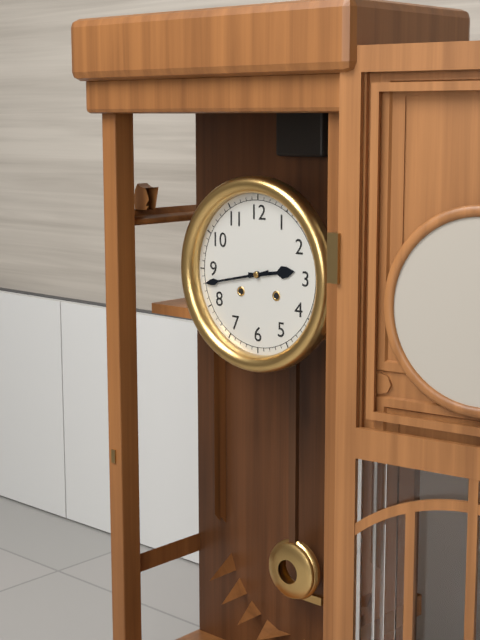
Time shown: {"hour": 2, "minute": 43}
